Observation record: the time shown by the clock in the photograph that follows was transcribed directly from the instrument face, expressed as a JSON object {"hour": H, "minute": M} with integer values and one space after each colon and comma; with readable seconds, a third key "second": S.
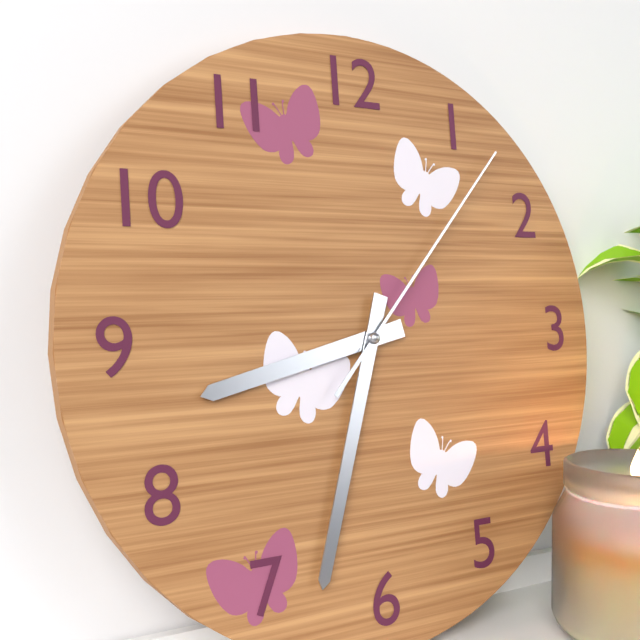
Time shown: {"hour": 8, "minute": 33, "second": 7}
